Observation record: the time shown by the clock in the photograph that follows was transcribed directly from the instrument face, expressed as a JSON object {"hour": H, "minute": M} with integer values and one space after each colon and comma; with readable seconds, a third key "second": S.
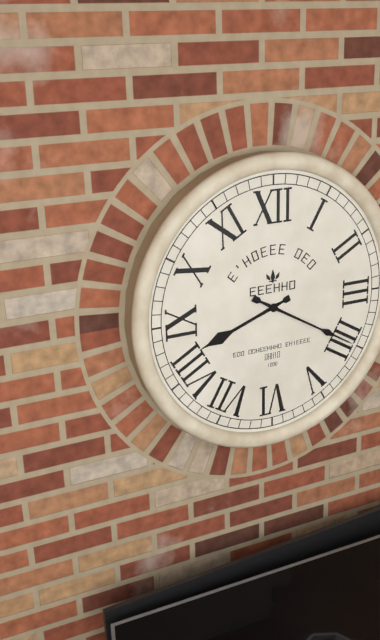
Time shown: {"hour": 8, "minute": 20}
